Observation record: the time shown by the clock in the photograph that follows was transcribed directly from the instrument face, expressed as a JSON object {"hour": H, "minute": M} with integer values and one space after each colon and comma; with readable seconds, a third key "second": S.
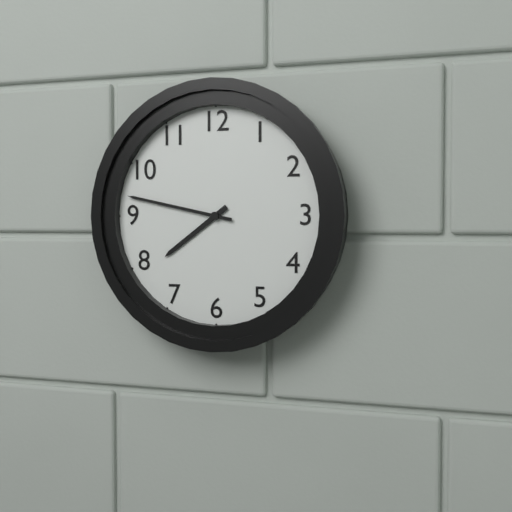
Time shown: {"hour": 7, "minute": 47}
